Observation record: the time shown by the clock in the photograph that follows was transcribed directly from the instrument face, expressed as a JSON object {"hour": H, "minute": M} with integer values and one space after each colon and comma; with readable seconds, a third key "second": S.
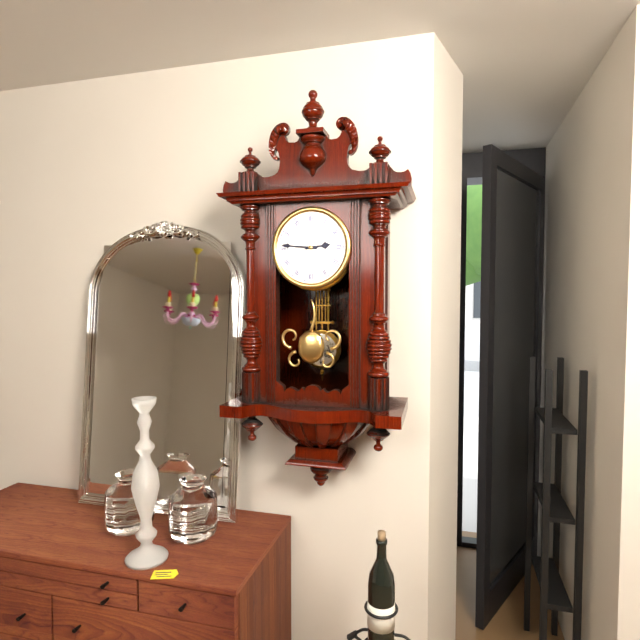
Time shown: {"hour": 2, "minute": 46}
